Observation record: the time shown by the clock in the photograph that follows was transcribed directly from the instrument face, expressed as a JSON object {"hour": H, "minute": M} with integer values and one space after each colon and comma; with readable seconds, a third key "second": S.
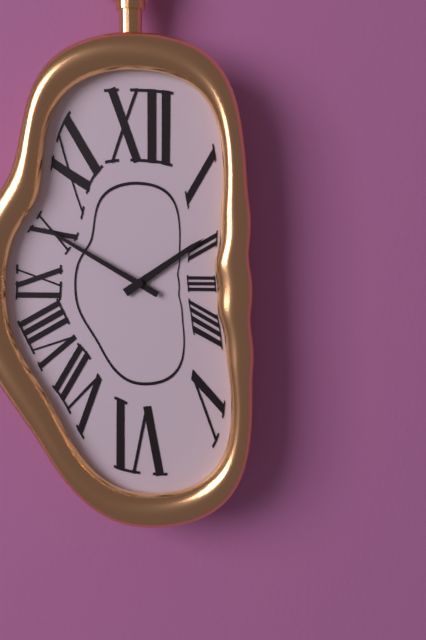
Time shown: {"hour": 1, "minute": 50}
